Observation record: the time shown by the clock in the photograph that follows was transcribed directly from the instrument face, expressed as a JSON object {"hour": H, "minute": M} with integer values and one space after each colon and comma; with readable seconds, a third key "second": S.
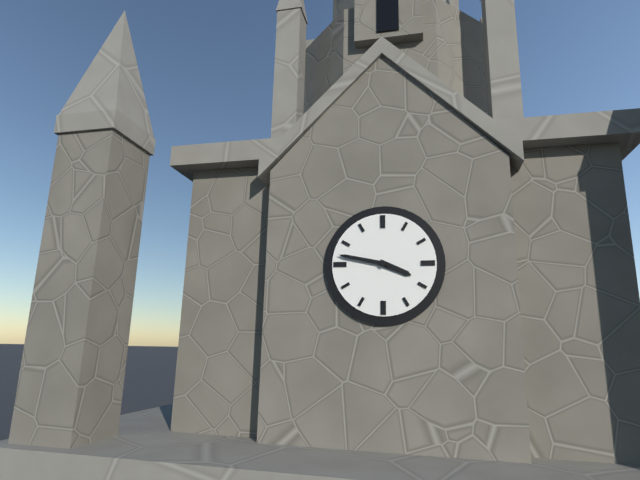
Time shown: {"hour": 3, "minute": 47}
